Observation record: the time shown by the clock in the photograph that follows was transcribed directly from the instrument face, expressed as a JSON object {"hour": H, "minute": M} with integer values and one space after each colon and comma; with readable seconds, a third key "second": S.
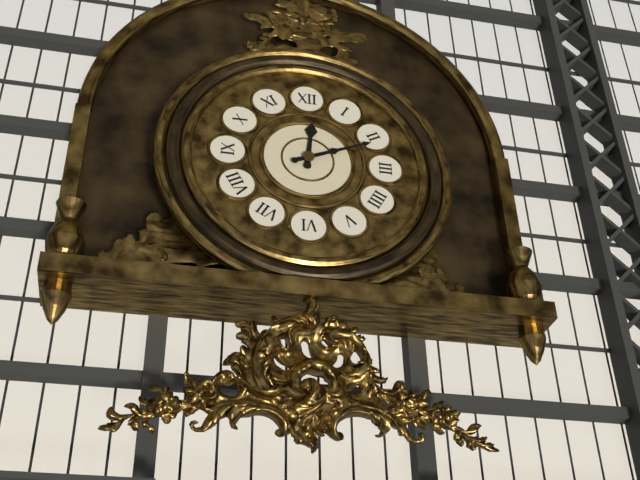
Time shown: {"hour": 12, "minute": 11}
